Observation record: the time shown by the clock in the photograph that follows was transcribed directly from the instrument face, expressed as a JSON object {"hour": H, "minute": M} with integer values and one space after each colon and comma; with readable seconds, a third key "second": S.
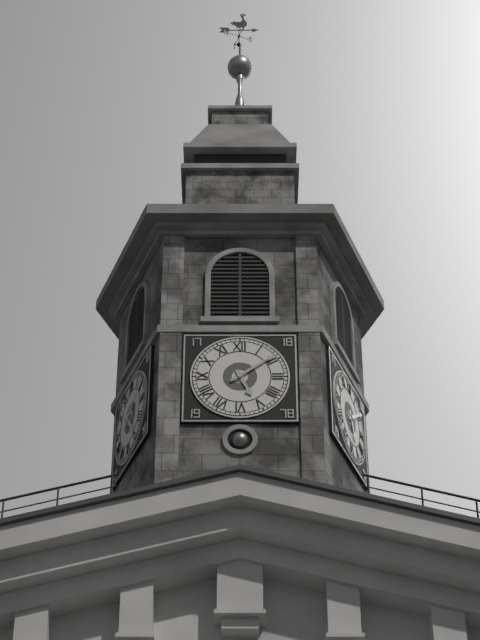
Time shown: {"hour": 5, "minute": 9}
